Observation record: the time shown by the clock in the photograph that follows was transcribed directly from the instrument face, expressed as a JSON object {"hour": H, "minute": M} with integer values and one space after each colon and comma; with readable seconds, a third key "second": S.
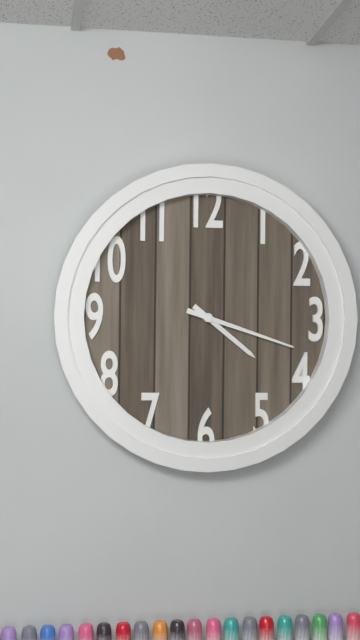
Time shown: {"hour": 4, "minute": 18}
